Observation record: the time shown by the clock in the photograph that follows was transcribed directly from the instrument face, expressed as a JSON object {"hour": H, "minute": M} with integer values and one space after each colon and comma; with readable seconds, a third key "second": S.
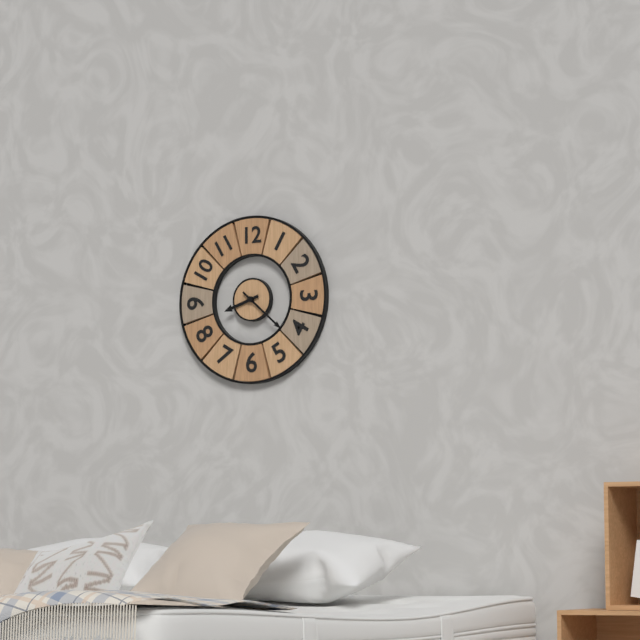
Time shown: {"hour": 8, "minute": 22}
